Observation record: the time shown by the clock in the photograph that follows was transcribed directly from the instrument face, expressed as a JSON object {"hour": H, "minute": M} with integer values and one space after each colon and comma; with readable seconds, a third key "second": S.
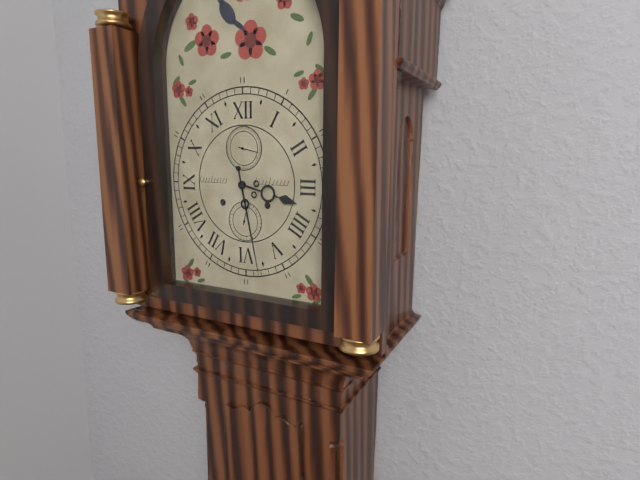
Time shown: {"hour": 3, "minute": 28}
